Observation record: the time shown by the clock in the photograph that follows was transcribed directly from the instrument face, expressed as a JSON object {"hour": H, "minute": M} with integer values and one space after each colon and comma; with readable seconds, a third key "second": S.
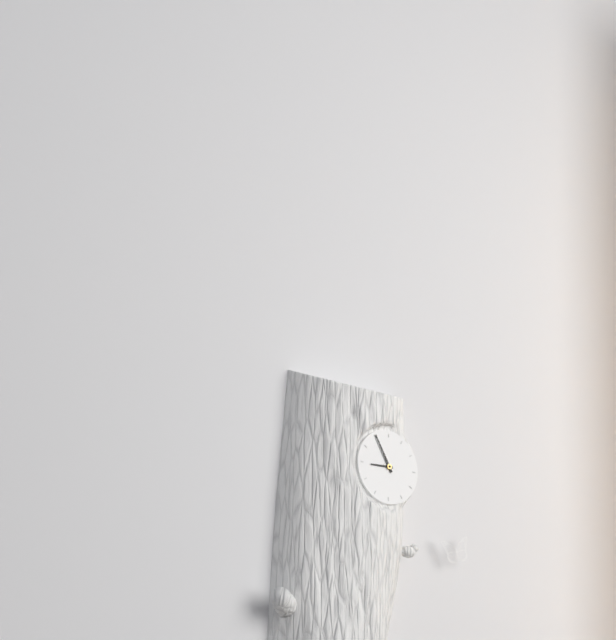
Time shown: {"hour": 8, "minute": 55}
